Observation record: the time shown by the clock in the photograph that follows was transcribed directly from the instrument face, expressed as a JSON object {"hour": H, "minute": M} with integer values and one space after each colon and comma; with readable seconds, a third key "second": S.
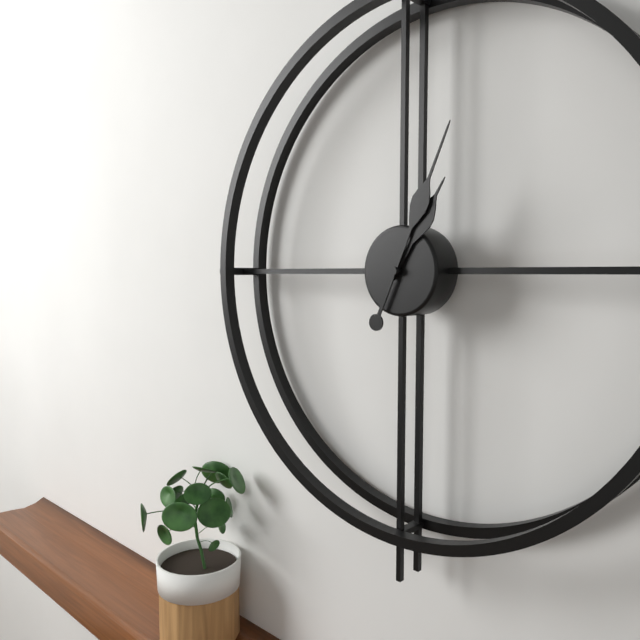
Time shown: {"hour": 1, "minute": 4}
